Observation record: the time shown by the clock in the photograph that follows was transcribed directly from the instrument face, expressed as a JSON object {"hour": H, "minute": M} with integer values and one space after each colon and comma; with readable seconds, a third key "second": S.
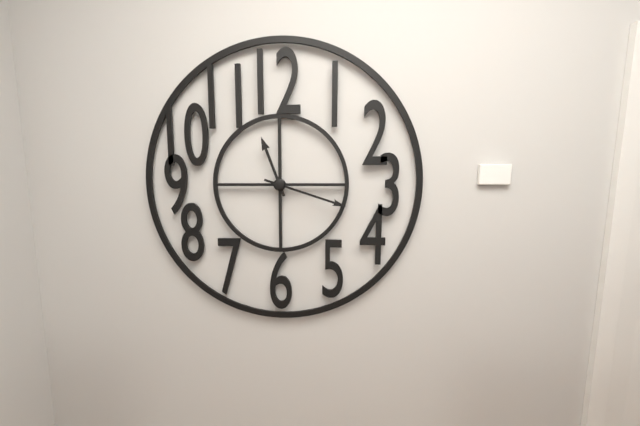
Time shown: {"hour": 11, "minute": 18}
